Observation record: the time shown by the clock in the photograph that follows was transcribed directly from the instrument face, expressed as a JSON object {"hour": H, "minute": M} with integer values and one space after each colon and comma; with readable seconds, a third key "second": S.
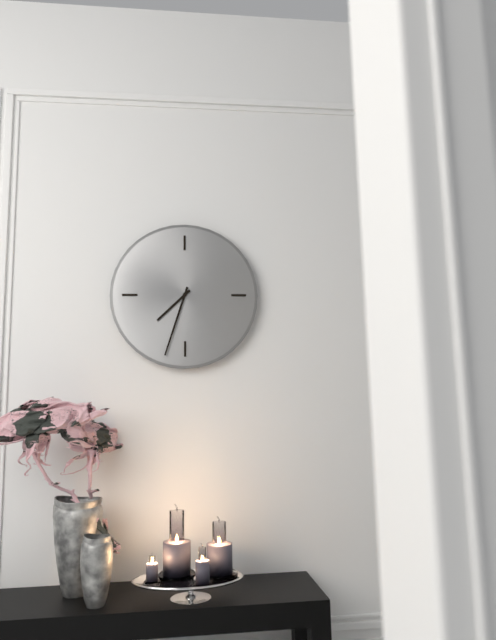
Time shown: {"hour": 7, "minute": 33}
